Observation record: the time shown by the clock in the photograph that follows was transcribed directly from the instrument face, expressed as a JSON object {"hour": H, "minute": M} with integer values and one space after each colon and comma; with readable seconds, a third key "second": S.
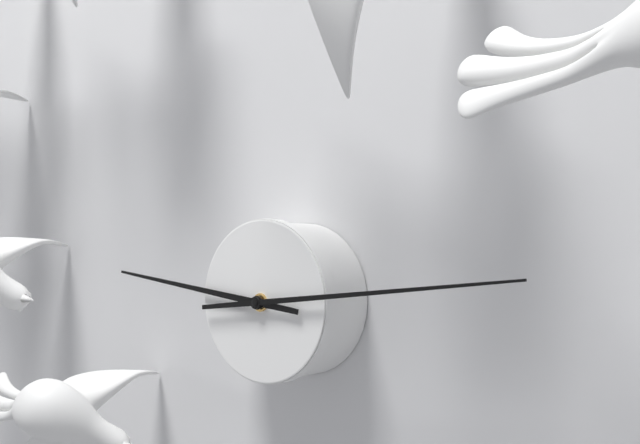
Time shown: {"hour": 9, "minute": 14}
